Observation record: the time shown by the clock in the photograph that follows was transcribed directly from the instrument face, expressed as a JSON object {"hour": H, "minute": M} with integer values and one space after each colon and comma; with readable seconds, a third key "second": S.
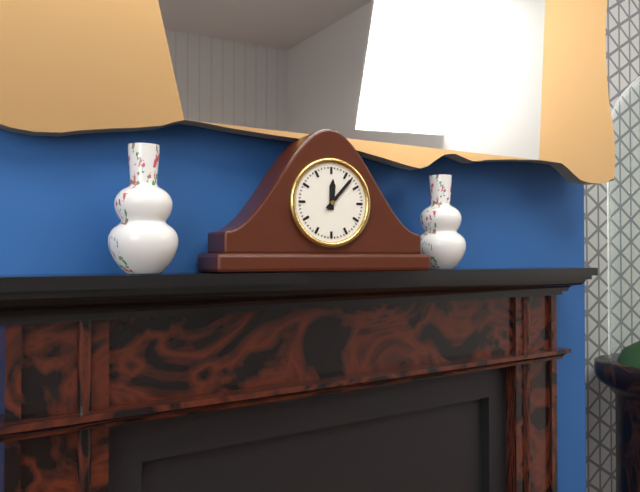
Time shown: {"hour": 12, "minute": 7}
